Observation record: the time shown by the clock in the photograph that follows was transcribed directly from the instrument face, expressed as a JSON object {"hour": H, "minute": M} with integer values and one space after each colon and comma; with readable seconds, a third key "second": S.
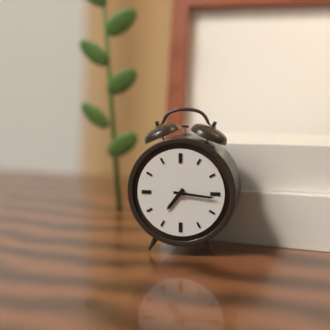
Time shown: {"hour": 7, "minute": 16}
